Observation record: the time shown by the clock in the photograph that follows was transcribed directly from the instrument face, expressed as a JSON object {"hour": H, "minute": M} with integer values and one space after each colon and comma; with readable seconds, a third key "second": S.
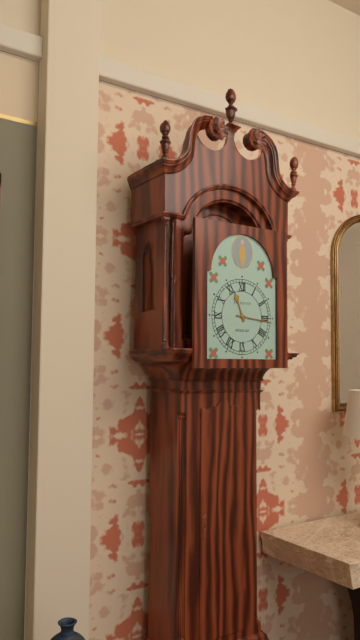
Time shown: {"hour": 11, "minute": 16}
